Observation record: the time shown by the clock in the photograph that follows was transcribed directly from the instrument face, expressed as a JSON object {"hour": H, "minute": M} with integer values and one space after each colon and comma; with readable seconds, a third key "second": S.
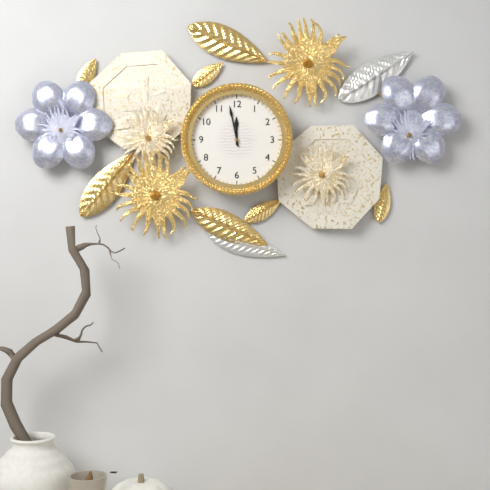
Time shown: {"hour": 11, "minute": 58}
